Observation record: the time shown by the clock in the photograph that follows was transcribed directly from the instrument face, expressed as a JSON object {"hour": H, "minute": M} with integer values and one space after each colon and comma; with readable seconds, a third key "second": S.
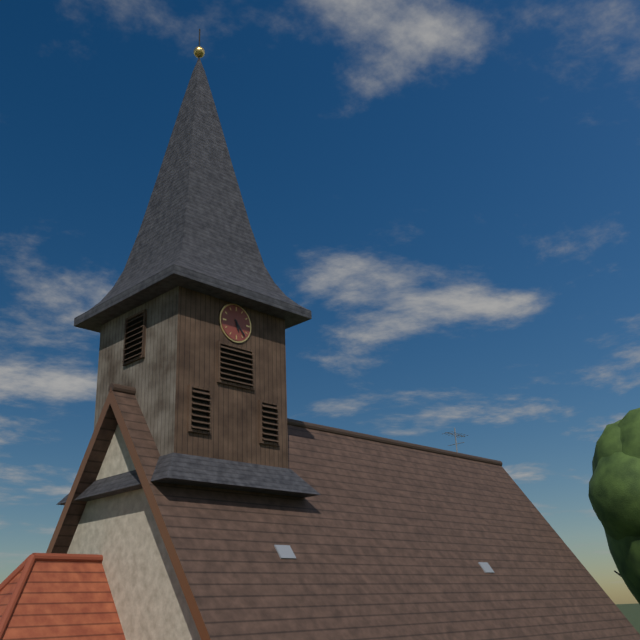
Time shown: {"hour": 5, "minute": 23}
